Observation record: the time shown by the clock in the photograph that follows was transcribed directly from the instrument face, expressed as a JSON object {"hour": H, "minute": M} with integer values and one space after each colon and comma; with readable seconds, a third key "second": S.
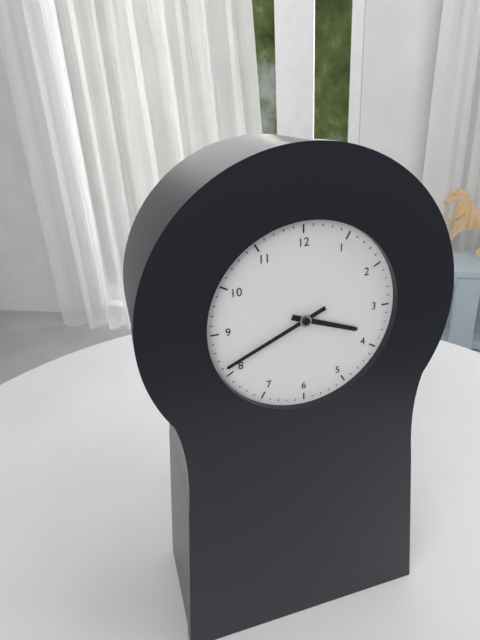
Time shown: {"hour": 3, "minute": 41}
